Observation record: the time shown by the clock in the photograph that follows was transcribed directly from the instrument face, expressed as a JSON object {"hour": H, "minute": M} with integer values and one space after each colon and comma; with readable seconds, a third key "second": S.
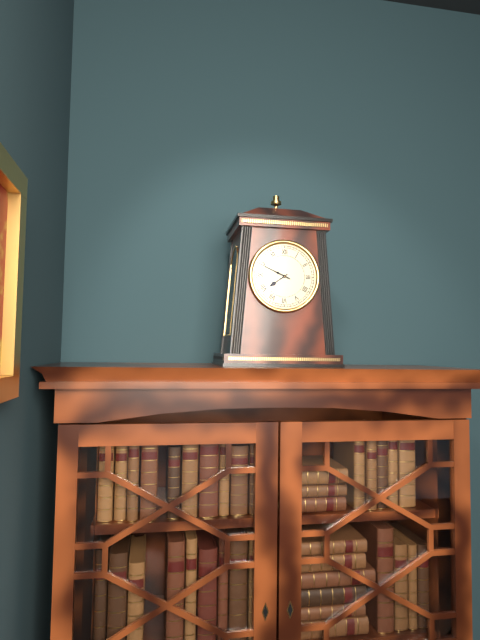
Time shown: {"hour": 7, "minute": 49}
